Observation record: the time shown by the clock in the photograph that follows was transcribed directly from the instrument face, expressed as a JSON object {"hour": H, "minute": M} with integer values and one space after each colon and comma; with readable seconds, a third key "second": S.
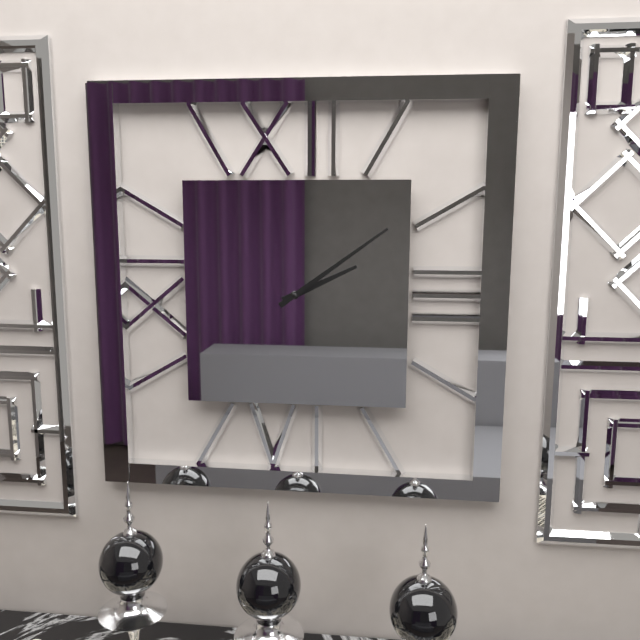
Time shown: {"hour": 2, "minute": 9}
